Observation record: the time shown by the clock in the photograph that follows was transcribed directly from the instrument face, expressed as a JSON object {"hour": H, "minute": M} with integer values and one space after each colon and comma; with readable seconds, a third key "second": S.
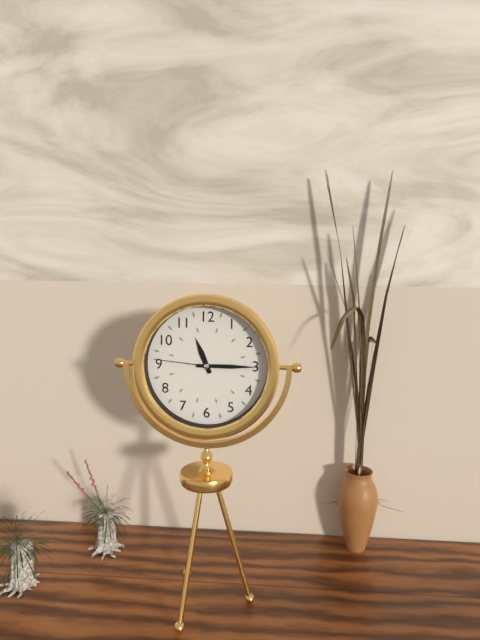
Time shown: {"hour": 11, "minute": 15, "second": 46}
